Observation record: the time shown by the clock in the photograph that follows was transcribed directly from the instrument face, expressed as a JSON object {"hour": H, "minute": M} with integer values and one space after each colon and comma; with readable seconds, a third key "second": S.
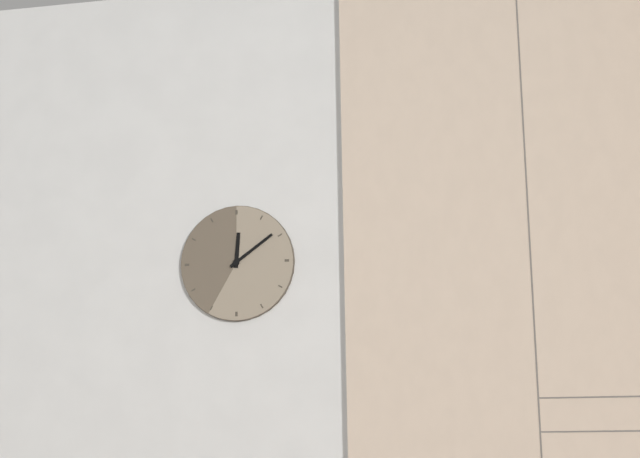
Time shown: {"hour": 12, "minute": 9}
